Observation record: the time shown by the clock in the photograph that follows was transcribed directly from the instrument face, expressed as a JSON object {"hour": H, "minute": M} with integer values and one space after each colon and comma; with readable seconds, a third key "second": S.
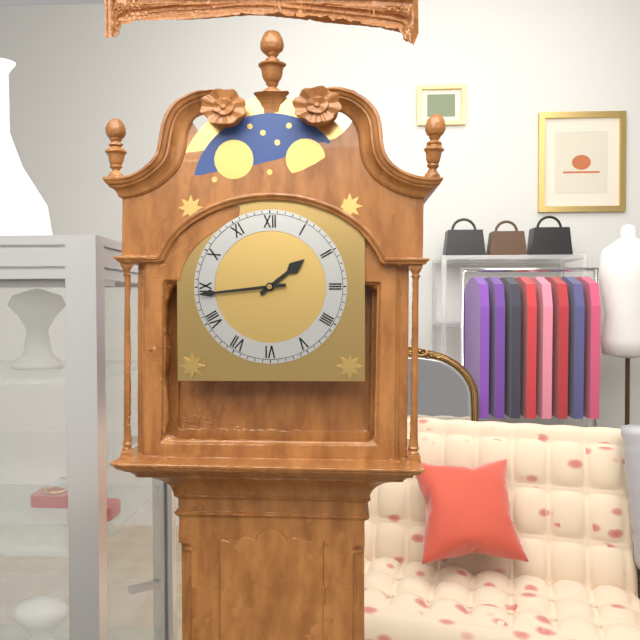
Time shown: {"hour": 1, "minute": 44}
